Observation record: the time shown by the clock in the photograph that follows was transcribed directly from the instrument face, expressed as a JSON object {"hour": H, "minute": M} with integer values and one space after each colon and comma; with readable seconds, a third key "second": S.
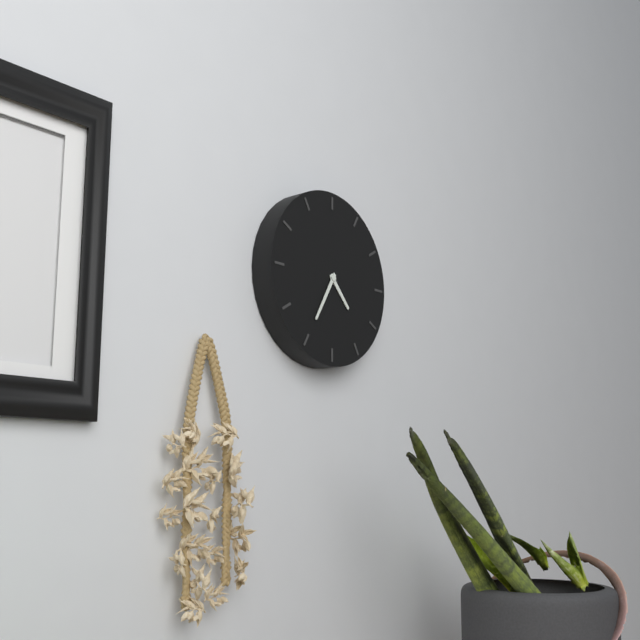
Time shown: {"hour": 4, "minute": 35}
